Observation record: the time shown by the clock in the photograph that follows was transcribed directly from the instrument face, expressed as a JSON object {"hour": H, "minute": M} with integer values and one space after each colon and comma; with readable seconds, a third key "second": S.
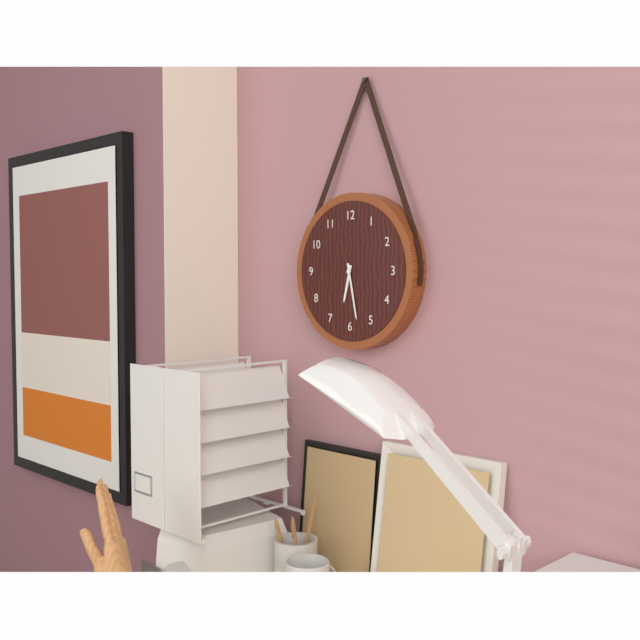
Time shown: {"hour": 6, "minute": 28}
